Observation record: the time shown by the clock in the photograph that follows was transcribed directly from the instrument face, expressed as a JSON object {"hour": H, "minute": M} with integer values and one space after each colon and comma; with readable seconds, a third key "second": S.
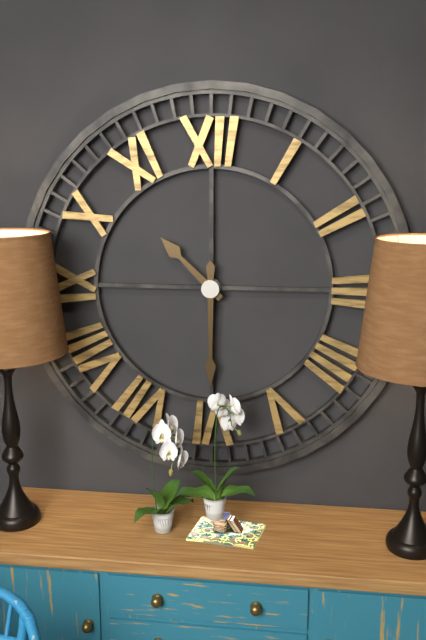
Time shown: {"hour": 10, "minute": 30}
